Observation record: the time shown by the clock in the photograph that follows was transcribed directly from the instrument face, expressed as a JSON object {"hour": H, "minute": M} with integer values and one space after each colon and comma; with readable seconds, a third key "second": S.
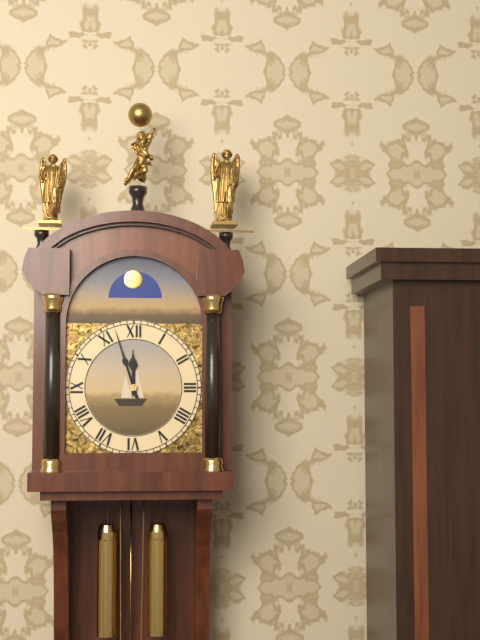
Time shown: {"hour": 11, "minute": 57}
